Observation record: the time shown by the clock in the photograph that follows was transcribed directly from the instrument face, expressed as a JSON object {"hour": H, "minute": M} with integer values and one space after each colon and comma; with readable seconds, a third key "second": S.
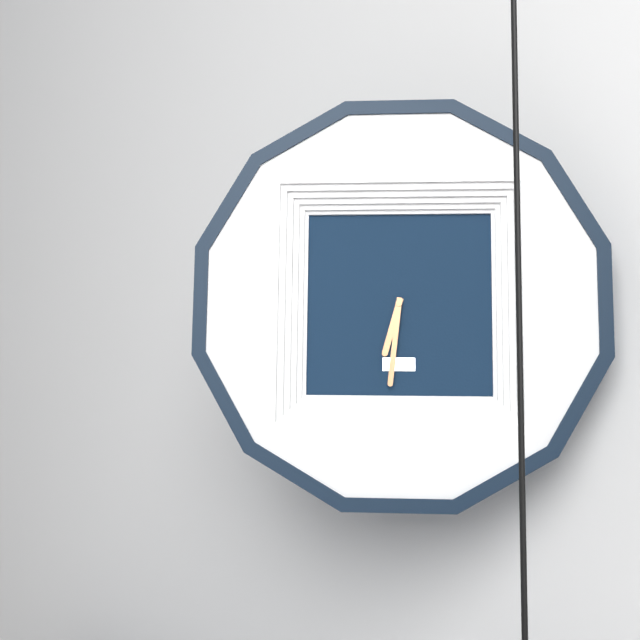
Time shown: {"hour": 6, "minute": 31}
